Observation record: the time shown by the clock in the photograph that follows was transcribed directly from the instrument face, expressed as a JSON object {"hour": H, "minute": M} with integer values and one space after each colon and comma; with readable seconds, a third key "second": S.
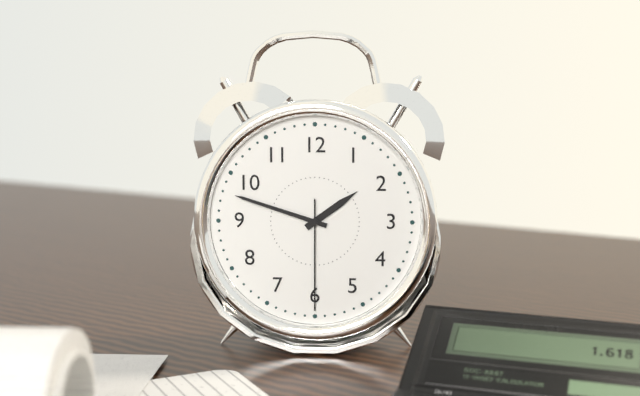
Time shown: {"hour": 1, "minute": 48, "second": 30}
